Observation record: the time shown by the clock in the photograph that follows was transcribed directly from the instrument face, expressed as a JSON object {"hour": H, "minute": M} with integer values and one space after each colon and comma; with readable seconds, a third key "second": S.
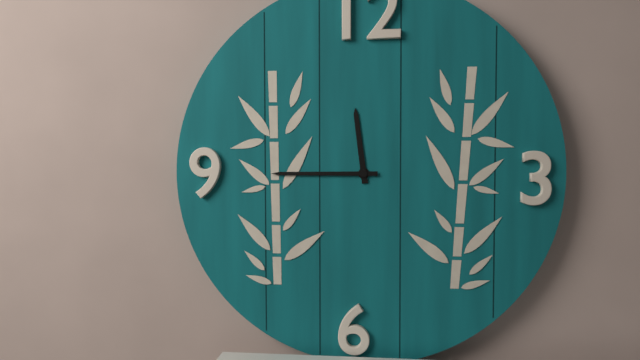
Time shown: {"hour": 11, "minute": 45}
